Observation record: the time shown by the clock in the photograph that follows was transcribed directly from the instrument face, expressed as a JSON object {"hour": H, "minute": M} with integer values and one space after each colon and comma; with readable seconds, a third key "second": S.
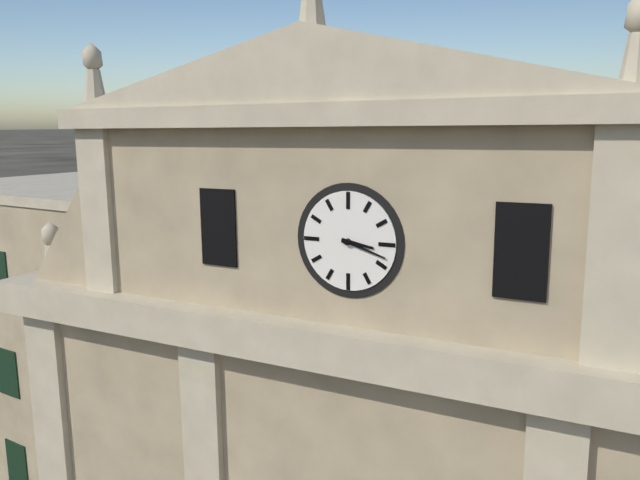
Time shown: {"hour": 3, "minute": 18}
